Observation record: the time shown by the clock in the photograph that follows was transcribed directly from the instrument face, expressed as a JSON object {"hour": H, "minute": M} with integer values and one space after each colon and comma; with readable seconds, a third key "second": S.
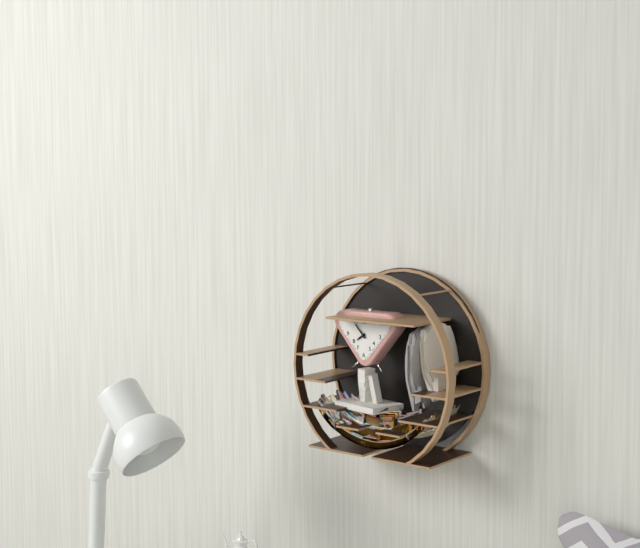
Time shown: {"hour": 7, "minute": 53}
